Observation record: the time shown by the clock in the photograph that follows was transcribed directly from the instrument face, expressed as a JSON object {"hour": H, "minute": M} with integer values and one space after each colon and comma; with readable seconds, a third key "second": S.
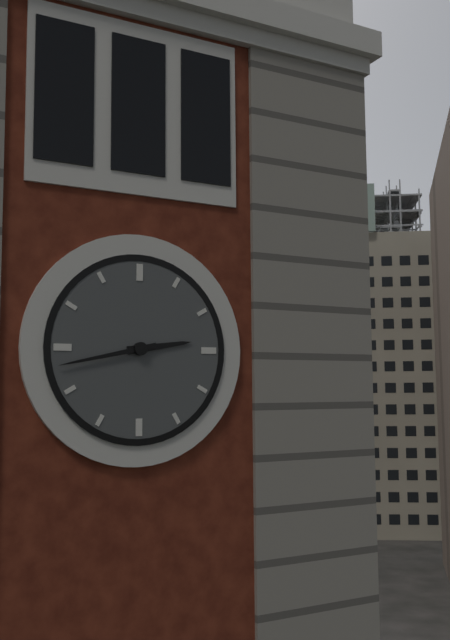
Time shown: {"hour": 2, "minute": 43}
